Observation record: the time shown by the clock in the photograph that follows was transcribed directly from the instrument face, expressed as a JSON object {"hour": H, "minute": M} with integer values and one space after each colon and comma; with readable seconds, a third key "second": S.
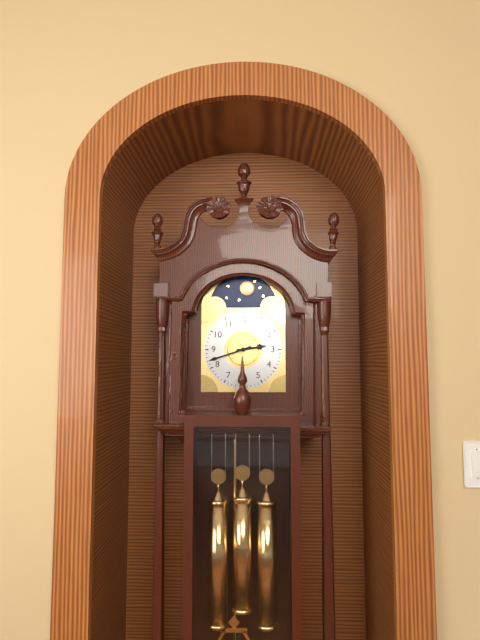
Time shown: {"hour": 2, "minute": 42}
